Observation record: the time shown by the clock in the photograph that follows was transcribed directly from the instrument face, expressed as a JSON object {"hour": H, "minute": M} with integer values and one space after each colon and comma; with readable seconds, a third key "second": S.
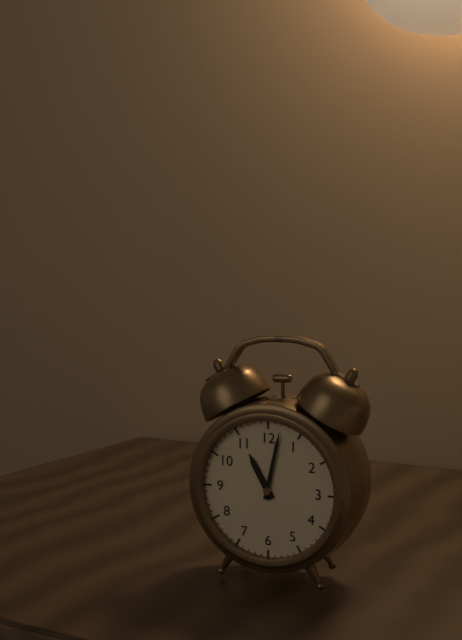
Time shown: {"hour": 11, "minute": 2}
